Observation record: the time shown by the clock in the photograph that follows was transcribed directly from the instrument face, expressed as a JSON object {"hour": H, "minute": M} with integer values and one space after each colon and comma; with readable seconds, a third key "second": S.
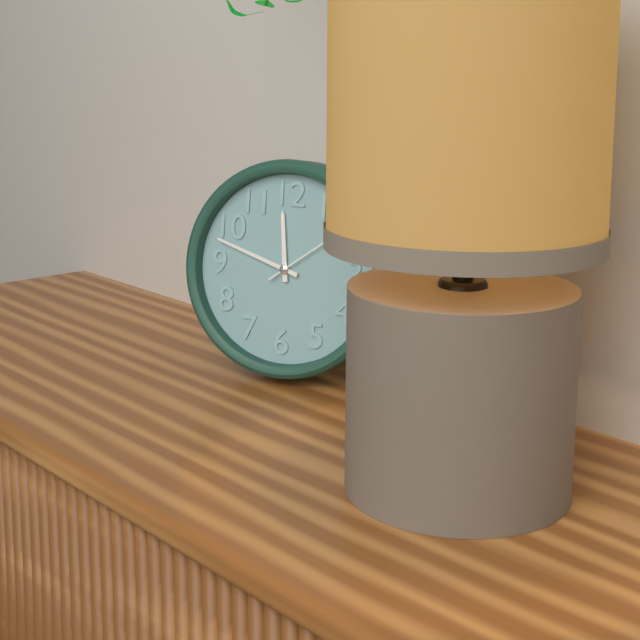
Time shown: {"hour": 11, "minute": 48}
